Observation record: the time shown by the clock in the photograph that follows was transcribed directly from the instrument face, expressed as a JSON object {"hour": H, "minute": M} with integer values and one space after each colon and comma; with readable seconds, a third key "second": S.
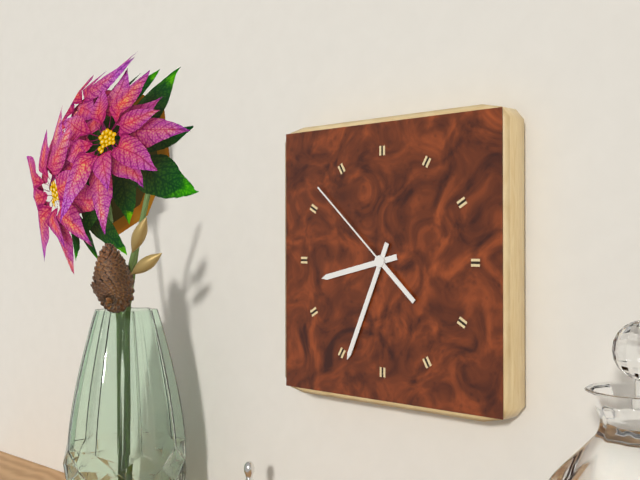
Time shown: {"hour": 8, "minute": 34, "second": 52}
